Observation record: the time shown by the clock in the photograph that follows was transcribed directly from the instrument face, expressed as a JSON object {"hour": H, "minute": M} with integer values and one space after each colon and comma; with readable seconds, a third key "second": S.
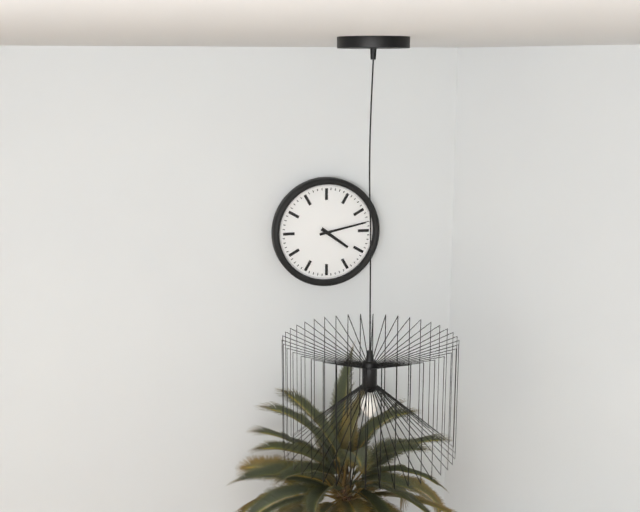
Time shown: {"hour": 4, "minute": 13}
